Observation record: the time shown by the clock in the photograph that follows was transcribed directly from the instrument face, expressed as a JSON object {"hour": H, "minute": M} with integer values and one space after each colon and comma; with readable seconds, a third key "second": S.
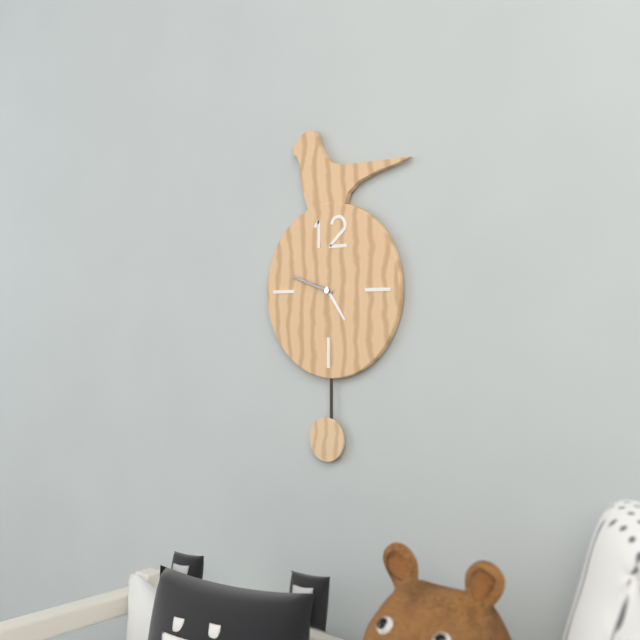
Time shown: {"hour": 4, "minute": 48}
